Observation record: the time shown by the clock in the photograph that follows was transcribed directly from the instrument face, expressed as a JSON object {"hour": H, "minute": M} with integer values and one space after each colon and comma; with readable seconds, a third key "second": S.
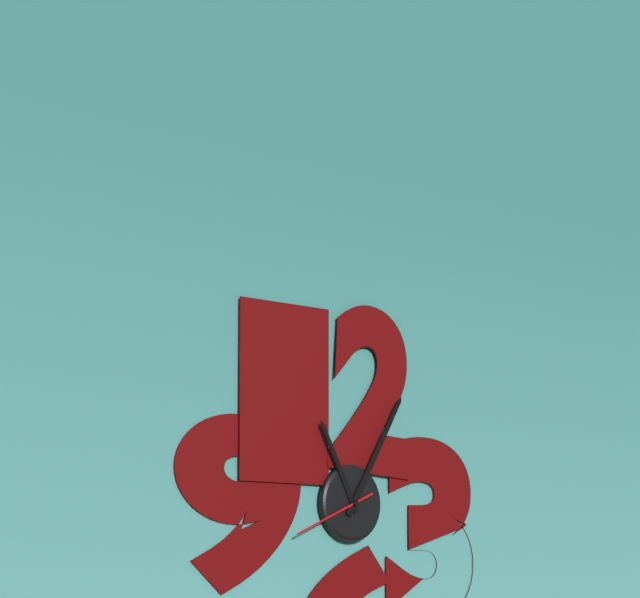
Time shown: {"hour": 11, "minute": 5, "second": 41}
